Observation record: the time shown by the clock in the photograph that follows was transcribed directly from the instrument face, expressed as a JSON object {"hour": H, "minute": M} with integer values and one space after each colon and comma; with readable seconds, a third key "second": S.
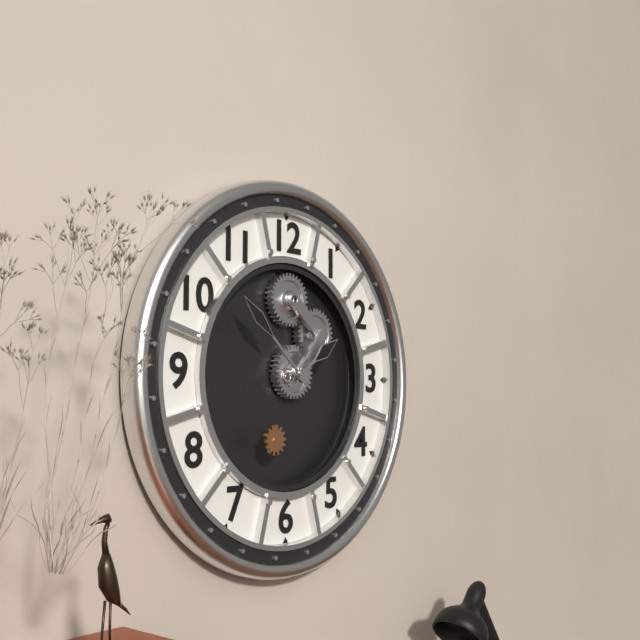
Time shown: {"hour": 1, "minute": 52}
